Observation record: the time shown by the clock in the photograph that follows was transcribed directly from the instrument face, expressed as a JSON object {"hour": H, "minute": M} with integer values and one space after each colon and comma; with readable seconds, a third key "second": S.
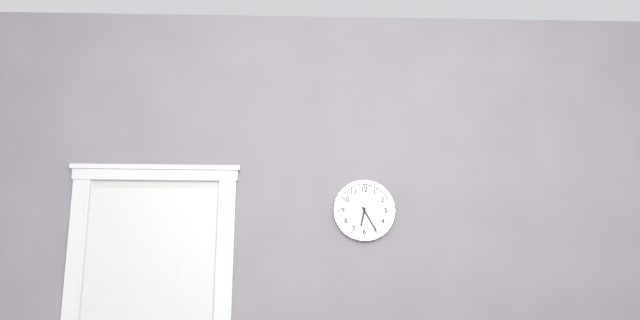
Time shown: {"hour": 6, "minute": 25}
